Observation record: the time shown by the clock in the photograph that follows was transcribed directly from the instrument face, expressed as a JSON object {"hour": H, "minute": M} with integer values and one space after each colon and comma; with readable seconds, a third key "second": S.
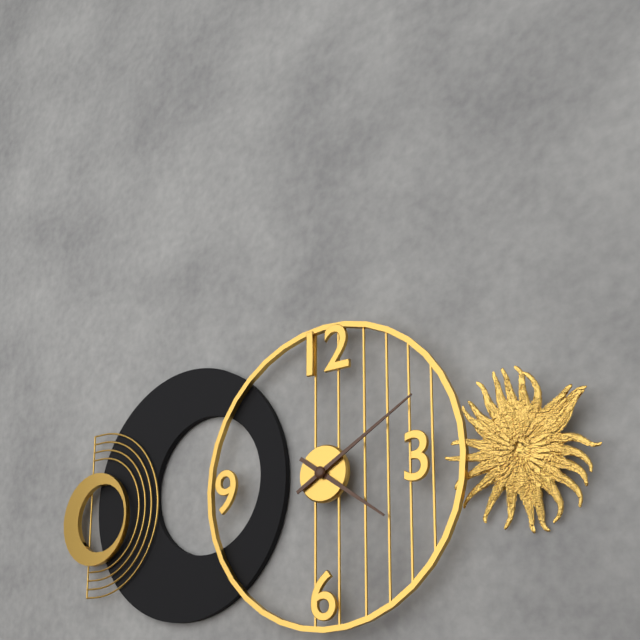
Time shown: {"hour": 4, "minute": 10}
